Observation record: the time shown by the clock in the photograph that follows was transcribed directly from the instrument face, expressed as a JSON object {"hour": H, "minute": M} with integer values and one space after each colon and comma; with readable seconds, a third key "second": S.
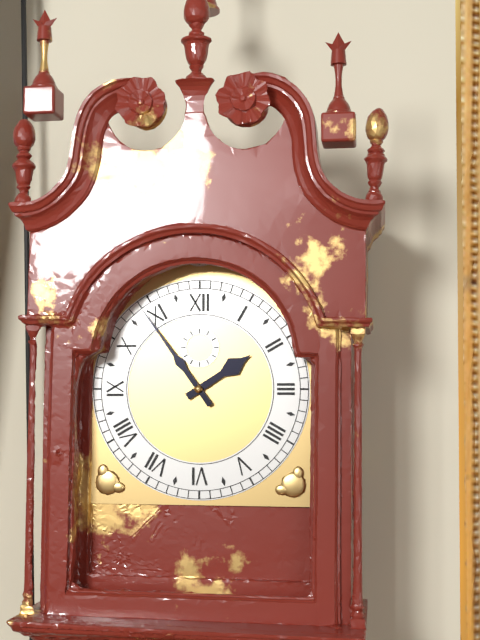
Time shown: {"hour": 1, "minute": 54}
